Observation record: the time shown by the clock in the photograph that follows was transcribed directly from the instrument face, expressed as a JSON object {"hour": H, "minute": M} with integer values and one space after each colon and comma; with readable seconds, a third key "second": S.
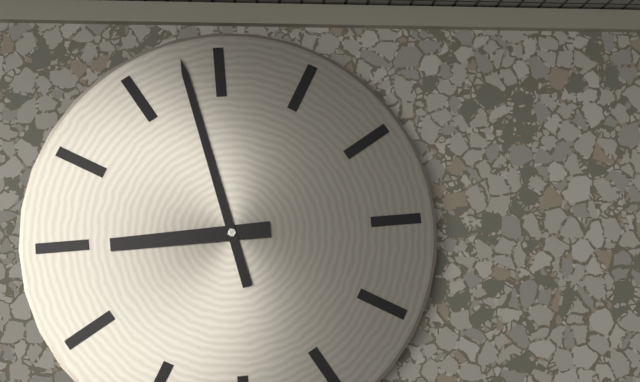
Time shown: {"hour": 8, "minute": 58}
